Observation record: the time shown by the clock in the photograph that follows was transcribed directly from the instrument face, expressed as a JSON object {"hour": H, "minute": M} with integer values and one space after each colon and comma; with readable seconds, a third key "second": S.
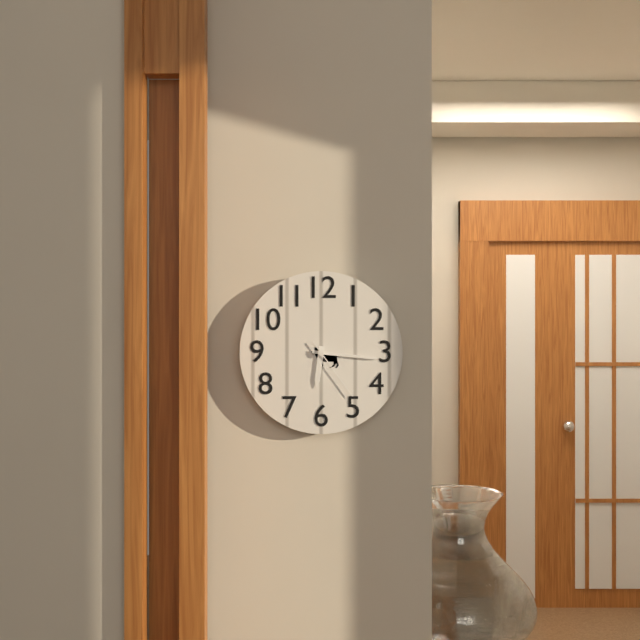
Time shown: {"hour": 6, "minute": 16, "second": 24}
